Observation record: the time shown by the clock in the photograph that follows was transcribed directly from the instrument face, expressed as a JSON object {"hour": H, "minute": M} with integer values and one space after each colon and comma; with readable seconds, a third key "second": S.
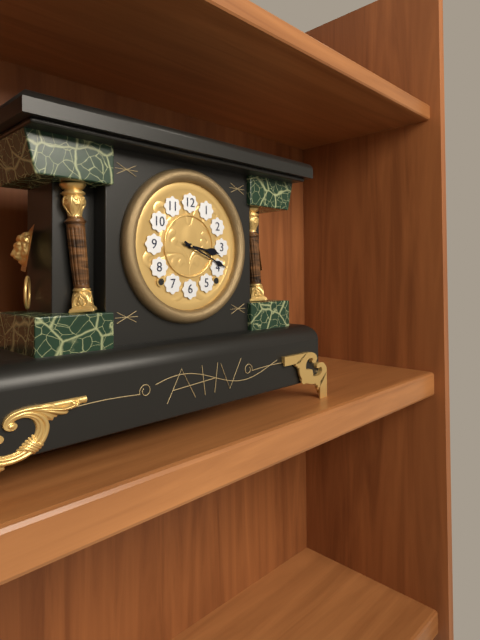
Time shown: {"hour": 3, "minute": 19}
